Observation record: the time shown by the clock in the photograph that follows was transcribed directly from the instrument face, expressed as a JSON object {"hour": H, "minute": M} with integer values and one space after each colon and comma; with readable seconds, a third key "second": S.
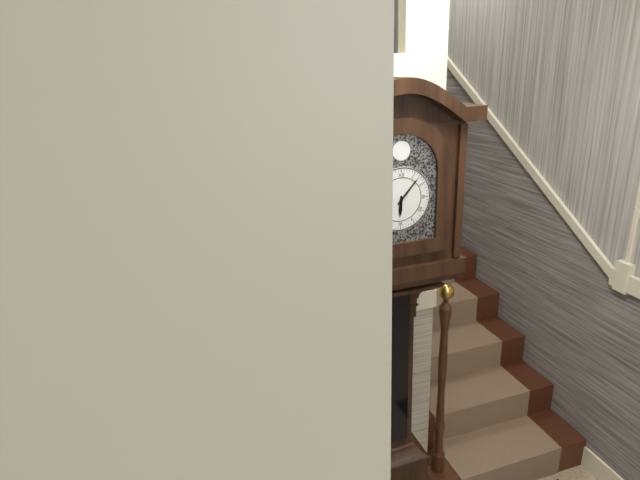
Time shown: {"hour": 6, "minute": 7}
